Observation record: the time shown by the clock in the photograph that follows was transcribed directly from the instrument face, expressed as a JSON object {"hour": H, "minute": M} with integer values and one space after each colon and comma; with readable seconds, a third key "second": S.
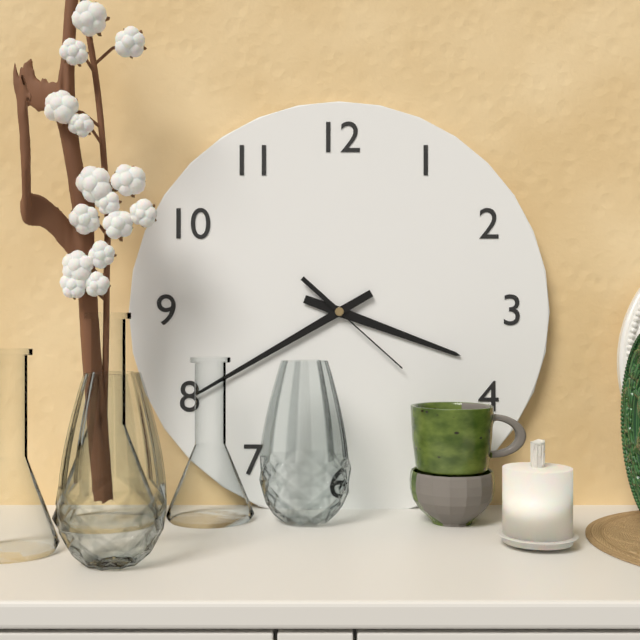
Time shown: {"hour": 3, "minute": 40, "second": 22}
